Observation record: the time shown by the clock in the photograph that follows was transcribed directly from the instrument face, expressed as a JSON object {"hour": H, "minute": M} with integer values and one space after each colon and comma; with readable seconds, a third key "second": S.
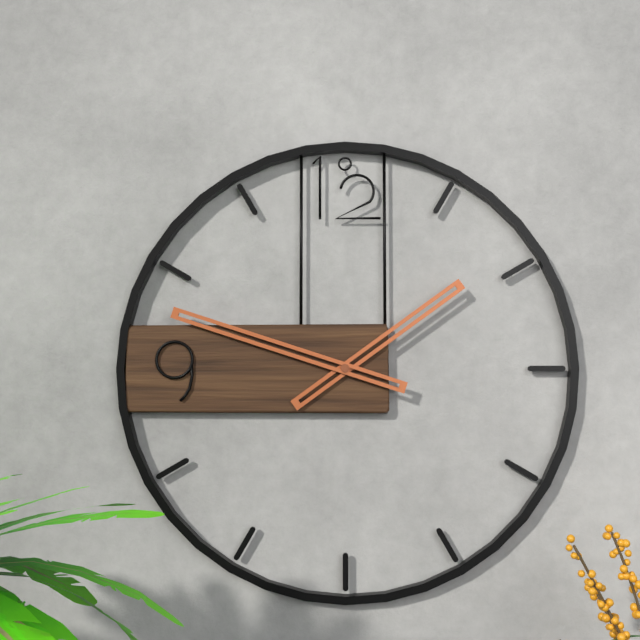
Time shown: {"hour": 1, "minute": 48}
